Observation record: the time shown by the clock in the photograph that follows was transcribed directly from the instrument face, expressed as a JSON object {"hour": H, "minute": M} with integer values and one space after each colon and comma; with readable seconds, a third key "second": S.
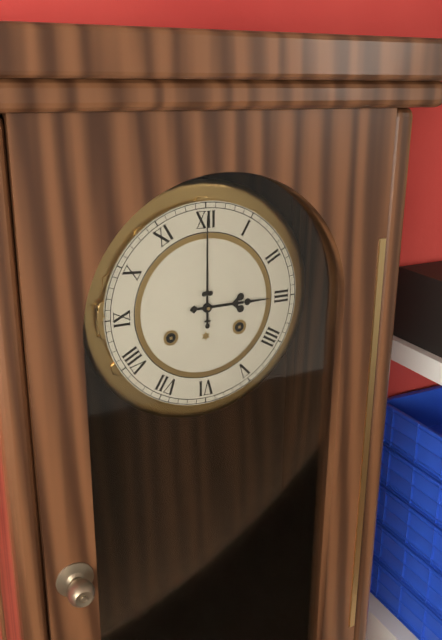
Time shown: {"hour": 3, "minute": 0}
